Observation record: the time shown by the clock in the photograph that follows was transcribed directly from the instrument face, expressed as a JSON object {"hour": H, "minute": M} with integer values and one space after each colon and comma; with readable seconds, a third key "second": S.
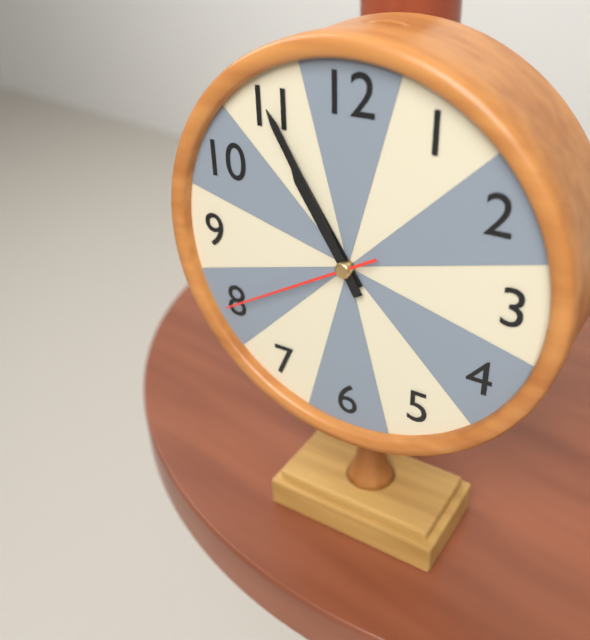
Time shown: {"hour": 10, "minute": 55, "second": 40}
